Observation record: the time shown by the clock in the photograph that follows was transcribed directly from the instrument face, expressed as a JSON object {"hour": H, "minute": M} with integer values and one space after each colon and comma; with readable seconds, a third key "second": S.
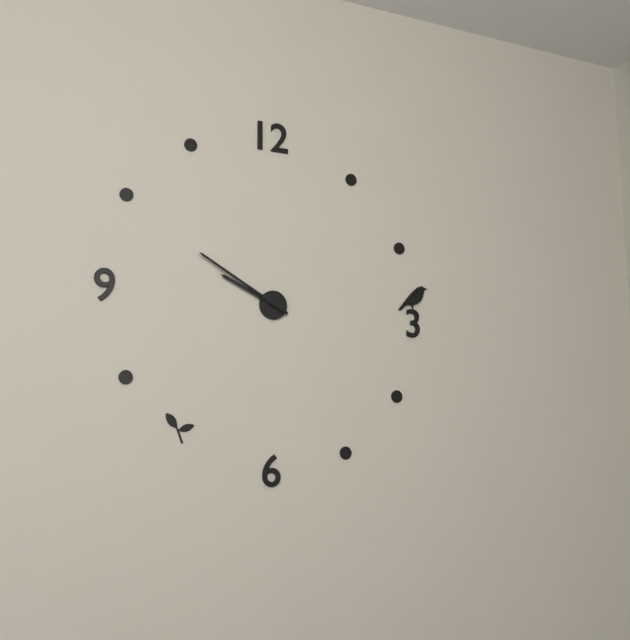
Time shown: {"hour": 9, "minute": 50}
